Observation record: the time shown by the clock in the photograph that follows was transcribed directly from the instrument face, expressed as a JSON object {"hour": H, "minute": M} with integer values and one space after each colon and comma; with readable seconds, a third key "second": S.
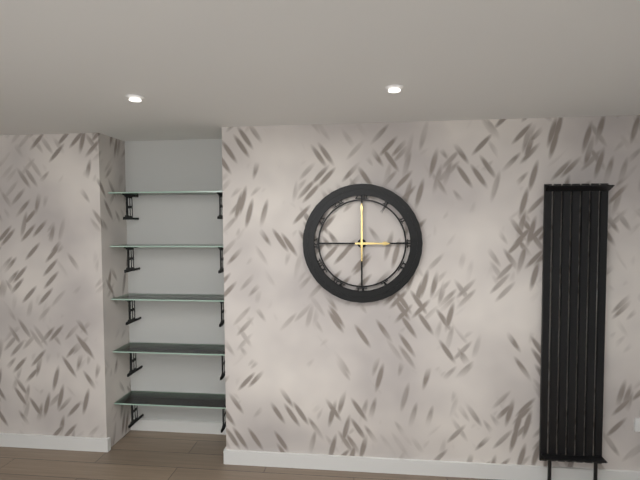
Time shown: {"hour": 3, "minute": 0}
